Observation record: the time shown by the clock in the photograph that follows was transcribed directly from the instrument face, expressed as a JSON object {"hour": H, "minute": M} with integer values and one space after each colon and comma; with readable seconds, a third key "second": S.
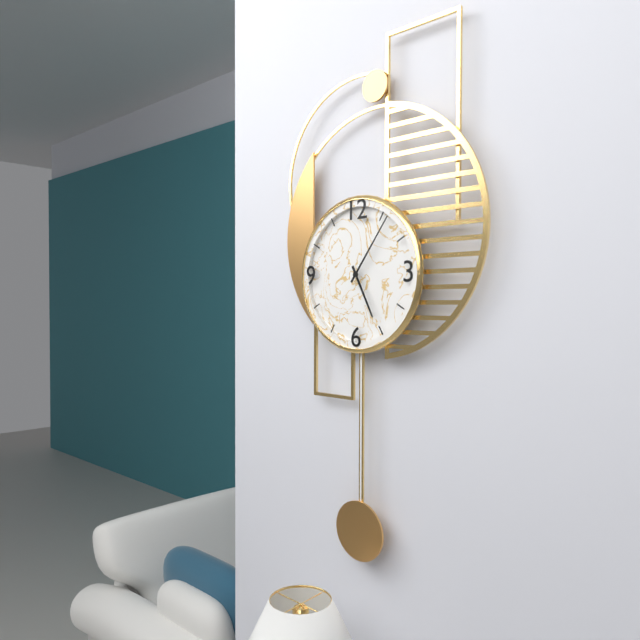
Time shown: {"hour": 5, "minute": 6}
